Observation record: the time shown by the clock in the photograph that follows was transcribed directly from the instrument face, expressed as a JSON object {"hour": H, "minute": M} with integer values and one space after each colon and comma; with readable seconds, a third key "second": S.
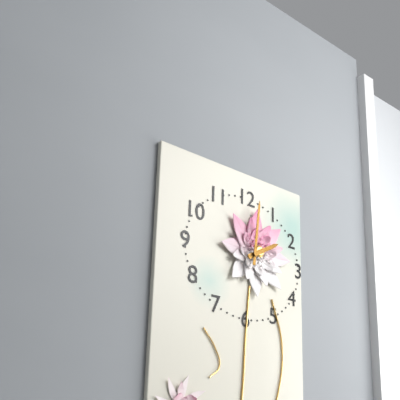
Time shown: {"hour": 2, "minute": 1}
